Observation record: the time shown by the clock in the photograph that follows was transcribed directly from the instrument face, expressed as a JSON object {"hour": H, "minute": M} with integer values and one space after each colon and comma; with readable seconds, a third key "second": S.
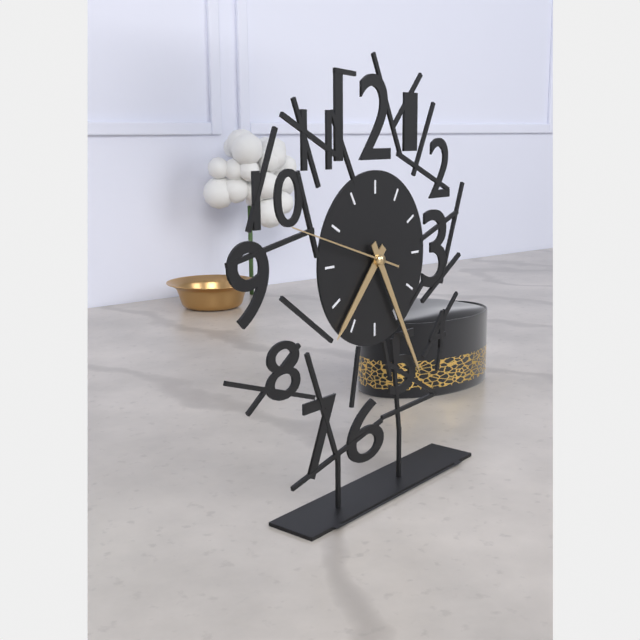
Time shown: {"hour": 7, "minute": 25, "second": 48}
